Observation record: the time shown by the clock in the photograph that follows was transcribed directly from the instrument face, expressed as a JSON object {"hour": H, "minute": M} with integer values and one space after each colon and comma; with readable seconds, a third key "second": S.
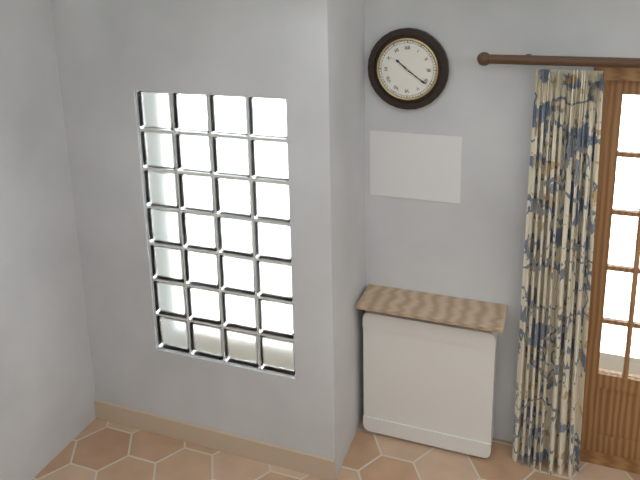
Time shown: {"hour": 10, "minute": 21}
